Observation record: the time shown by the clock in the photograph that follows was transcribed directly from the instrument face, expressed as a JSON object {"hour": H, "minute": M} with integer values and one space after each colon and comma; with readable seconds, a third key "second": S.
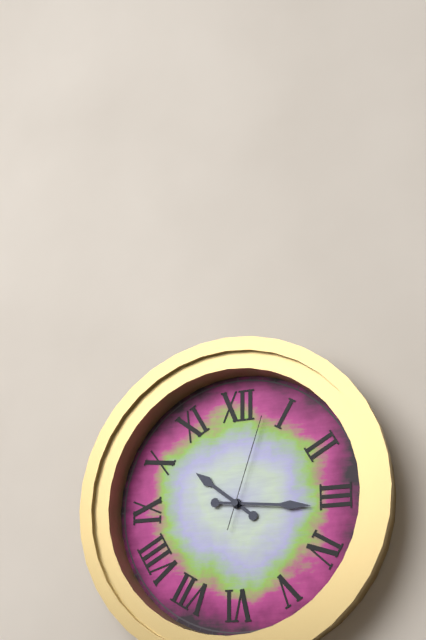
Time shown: {"hour": 10, "minute": 16, "second": 3}
